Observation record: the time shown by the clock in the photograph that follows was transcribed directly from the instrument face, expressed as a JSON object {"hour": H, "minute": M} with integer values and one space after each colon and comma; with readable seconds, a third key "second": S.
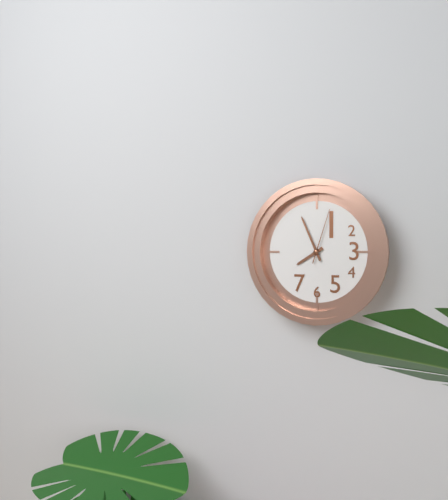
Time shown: {"hour": 7, "minute": 56, "second": 3}
